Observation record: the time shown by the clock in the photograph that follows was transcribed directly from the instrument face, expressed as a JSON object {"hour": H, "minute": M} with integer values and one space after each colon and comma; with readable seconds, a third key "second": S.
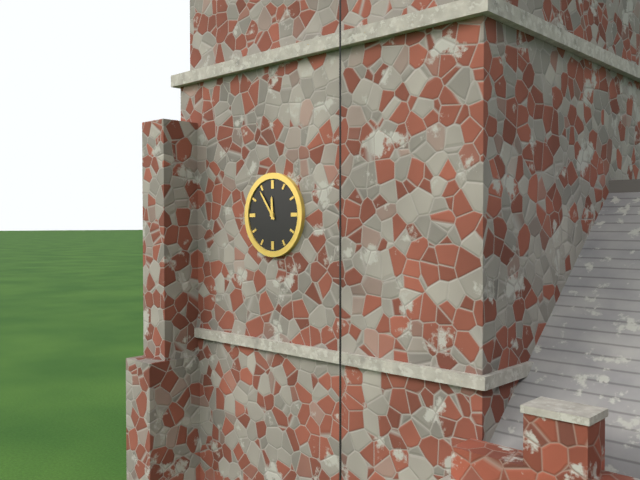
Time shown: {"hour": 11, "minute": 54}
